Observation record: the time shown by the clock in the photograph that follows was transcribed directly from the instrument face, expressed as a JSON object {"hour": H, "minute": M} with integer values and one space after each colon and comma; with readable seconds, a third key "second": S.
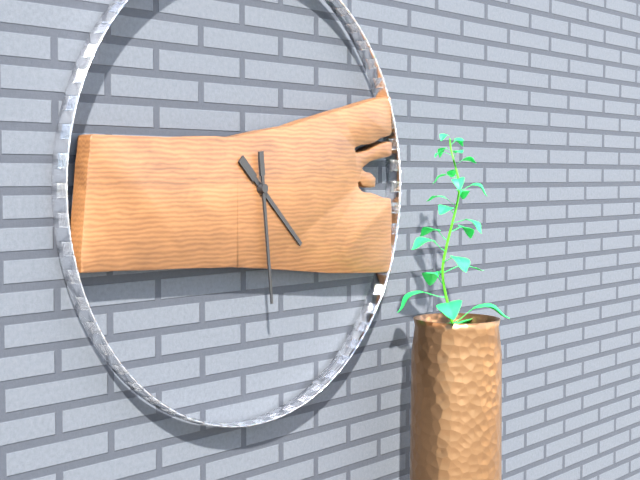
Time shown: {"hour": 4, "minute": 29}
